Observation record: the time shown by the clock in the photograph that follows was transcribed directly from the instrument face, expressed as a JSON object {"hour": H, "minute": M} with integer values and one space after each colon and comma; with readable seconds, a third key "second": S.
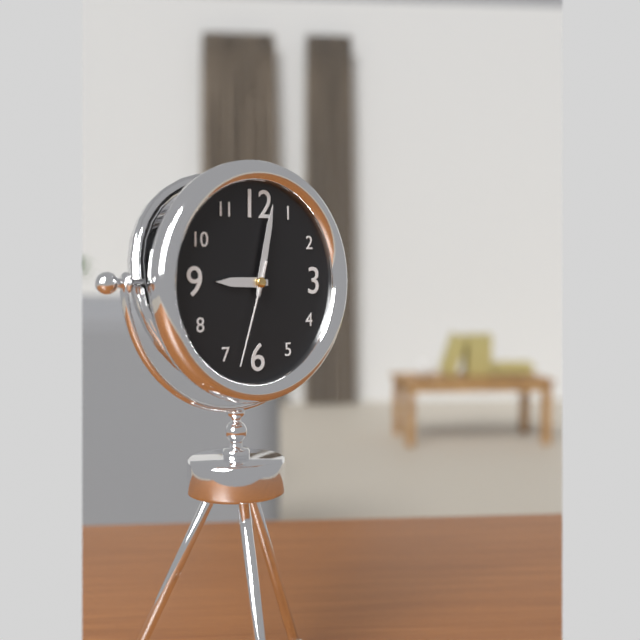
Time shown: {"hour": 9, "minute": 2, "second": 33}
